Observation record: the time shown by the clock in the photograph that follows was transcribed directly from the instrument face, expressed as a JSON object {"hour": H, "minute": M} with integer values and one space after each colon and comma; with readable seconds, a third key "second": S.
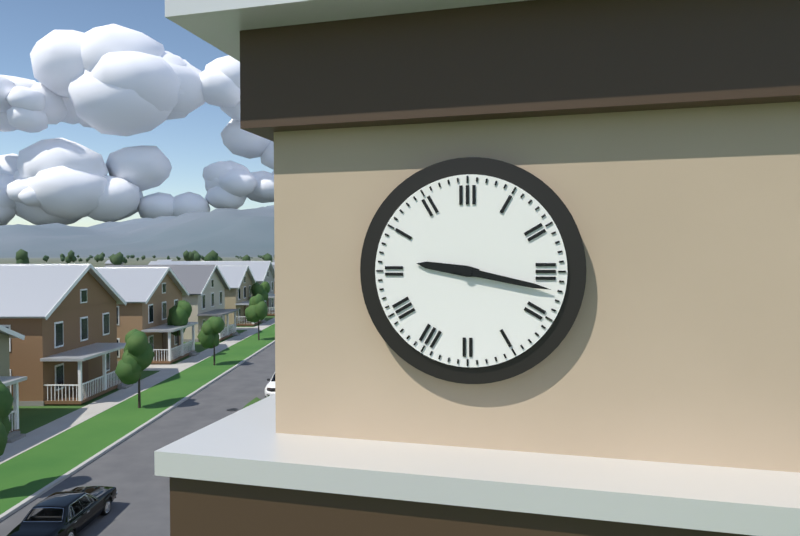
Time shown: {"hour": 9, "minute": 17}
